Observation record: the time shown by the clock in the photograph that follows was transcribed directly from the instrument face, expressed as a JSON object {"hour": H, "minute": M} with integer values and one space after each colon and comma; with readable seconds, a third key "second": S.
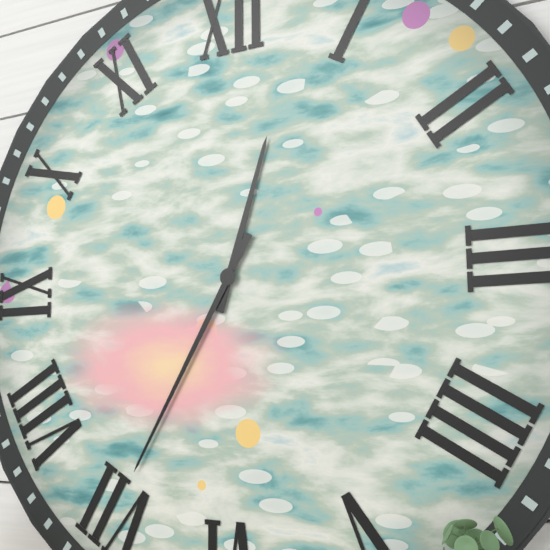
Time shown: {"hour": 12, "minute": 35}
